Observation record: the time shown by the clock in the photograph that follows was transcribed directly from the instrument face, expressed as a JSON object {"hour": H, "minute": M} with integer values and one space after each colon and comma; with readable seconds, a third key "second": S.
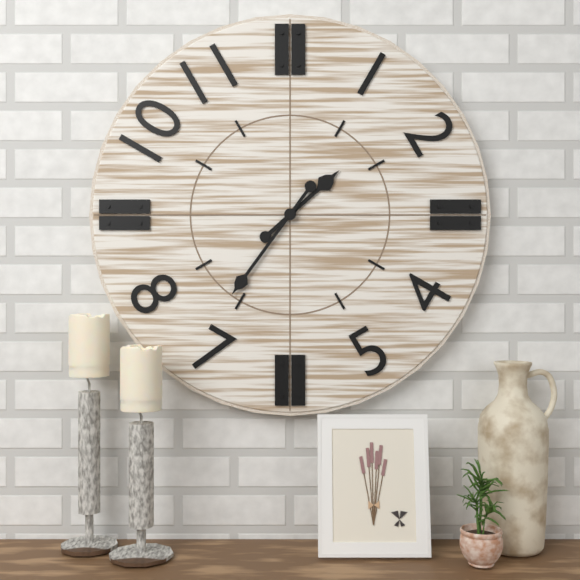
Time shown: {"hour": 1, "minute": 36}
